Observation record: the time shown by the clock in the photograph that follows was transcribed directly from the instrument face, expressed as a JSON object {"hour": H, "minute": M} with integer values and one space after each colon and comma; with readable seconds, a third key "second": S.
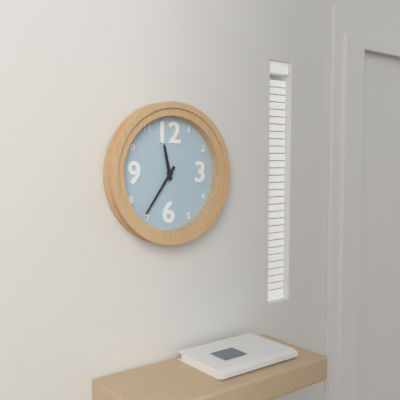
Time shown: {"hour": 11, "minute": 36}
